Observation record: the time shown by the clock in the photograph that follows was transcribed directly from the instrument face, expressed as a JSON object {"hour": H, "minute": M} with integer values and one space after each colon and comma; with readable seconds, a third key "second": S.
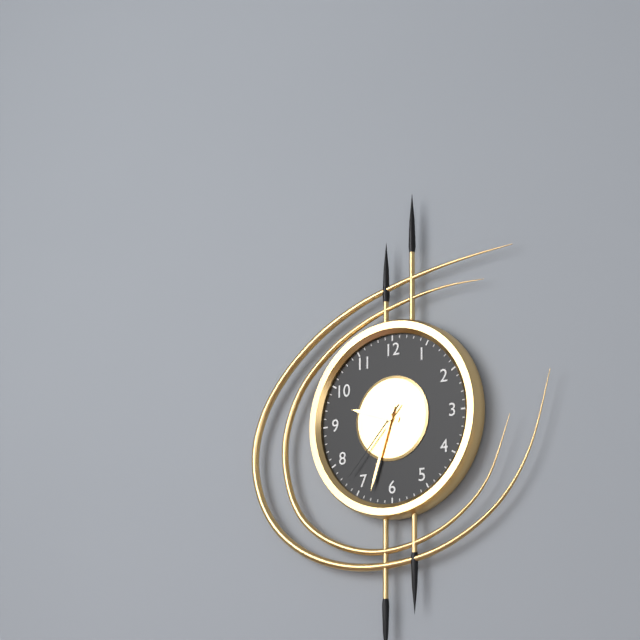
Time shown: {"hour": 9, "minute": 33, "second": 37}
